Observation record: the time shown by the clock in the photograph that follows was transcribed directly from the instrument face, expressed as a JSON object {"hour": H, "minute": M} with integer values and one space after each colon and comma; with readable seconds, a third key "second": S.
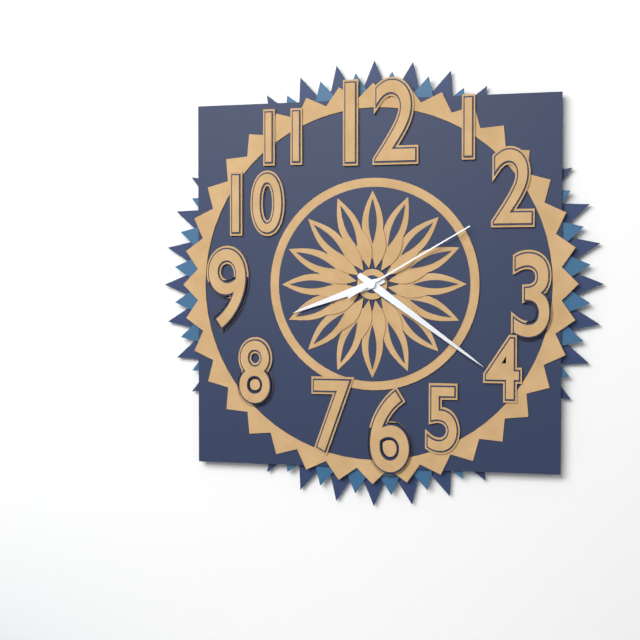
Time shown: {"hour": 8, "minute": 21, "second": 10}
